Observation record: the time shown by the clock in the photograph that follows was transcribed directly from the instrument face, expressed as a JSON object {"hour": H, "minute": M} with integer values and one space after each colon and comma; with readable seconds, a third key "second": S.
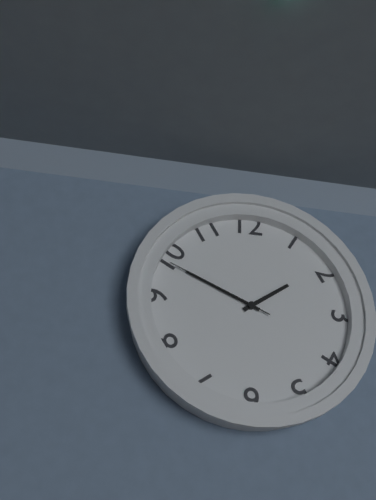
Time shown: {"hour": 1, "minute": 49, "second": 49}
